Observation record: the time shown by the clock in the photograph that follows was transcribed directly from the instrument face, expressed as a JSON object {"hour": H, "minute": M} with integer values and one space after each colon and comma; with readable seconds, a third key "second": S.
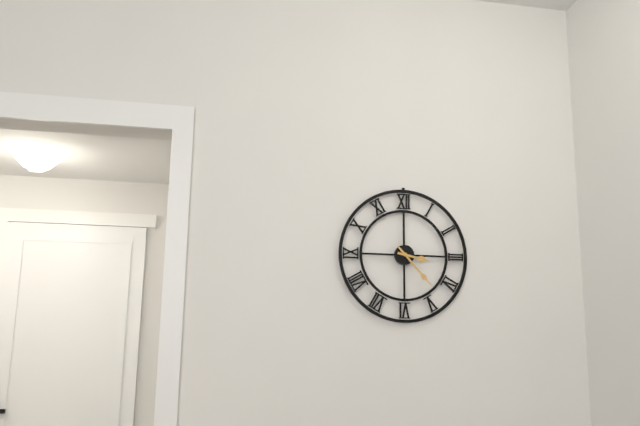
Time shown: {"hour": 3, "minute": 23}
